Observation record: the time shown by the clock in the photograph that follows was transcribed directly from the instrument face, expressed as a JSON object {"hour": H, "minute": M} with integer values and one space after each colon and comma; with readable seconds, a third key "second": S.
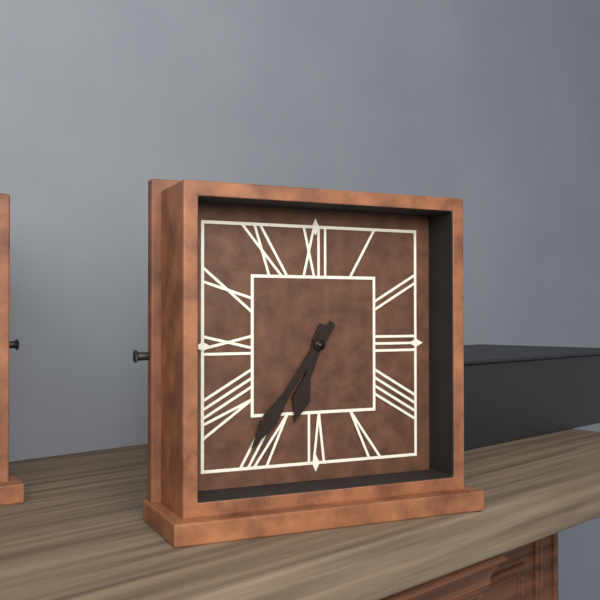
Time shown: {"hour": 6, "minute": 36}
